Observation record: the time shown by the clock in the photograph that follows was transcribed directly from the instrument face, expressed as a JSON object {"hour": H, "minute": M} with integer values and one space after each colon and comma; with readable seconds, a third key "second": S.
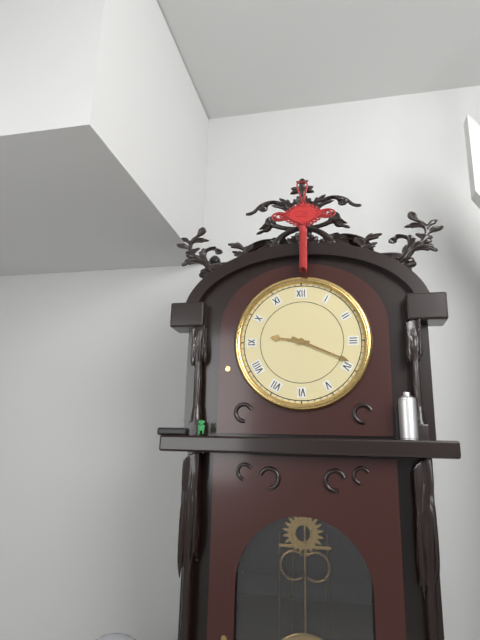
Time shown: {"hour": 9, "minute": 19}
